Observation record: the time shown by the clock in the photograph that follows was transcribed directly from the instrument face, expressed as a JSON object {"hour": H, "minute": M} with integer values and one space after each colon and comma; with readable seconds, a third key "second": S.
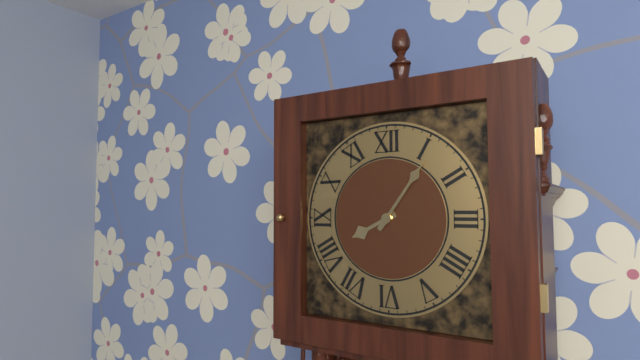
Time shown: {"hour": 8, "minute": 6}
